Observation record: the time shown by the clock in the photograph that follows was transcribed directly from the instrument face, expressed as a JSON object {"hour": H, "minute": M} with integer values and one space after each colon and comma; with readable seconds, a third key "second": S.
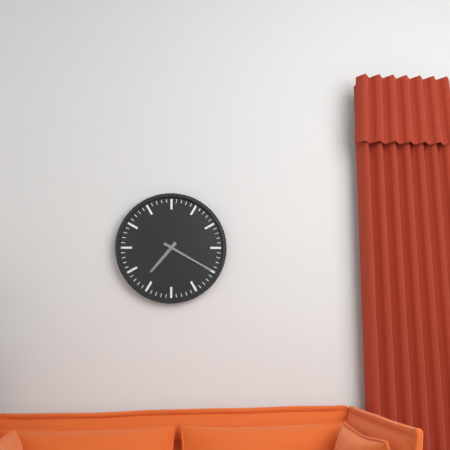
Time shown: {"hour": 7, "minute": 20}
